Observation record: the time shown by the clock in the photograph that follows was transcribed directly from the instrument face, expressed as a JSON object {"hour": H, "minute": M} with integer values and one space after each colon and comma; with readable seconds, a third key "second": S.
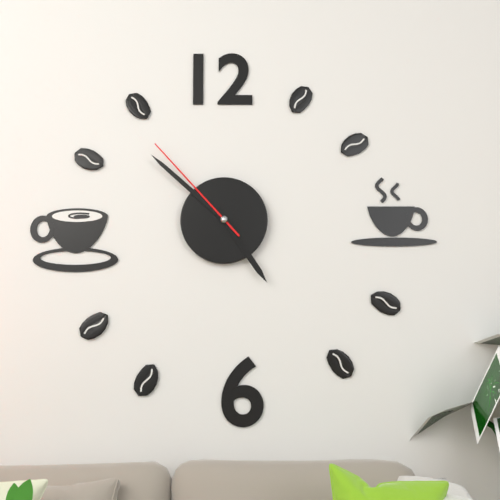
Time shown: {"hour": 4, "minute": 52, "second": 53}
